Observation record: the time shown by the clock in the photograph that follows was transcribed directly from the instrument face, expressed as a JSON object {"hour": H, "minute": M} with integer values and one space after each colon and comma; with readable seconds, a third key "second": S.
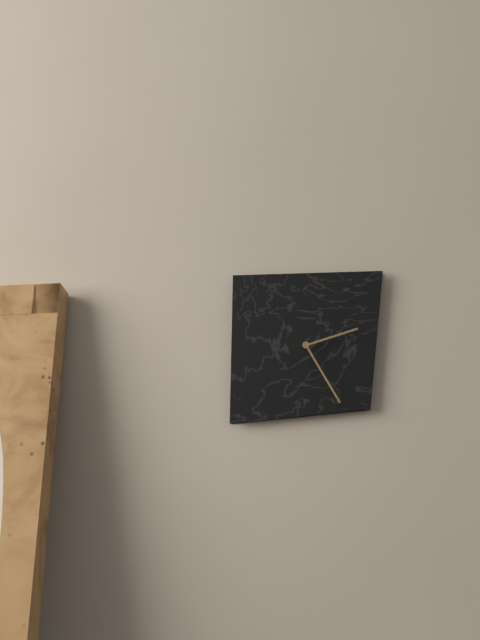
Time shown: {"hour": 2, "minute": 25}
